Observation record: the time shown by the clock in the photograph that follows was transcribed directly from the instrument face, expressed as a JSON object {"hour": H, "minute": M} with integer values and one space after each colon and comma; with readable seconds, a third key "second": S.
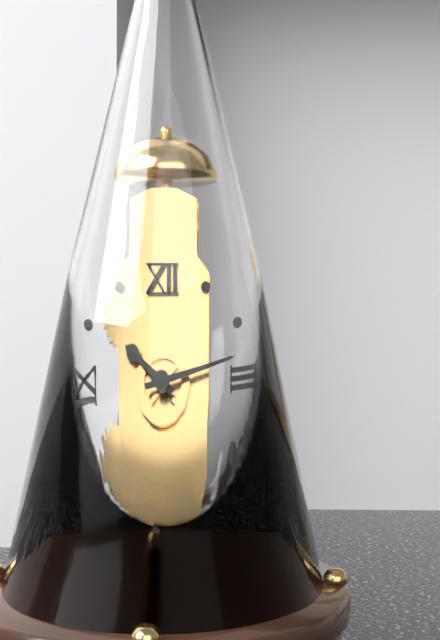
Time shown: {"hour": 10, "minute": 13}
